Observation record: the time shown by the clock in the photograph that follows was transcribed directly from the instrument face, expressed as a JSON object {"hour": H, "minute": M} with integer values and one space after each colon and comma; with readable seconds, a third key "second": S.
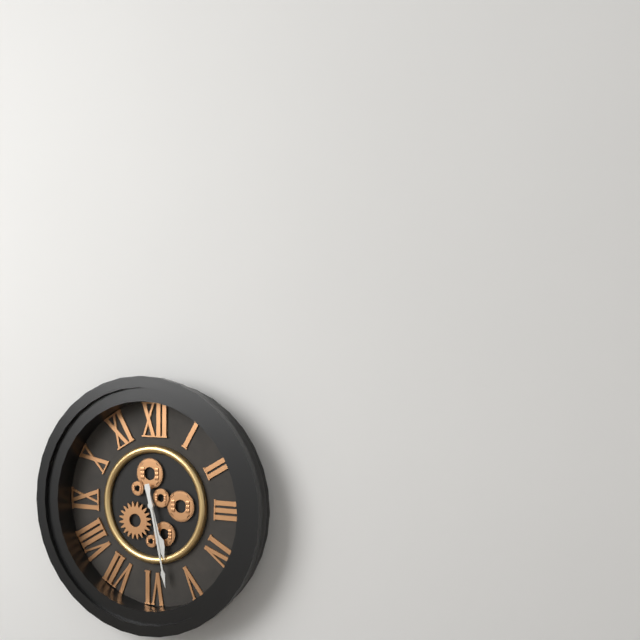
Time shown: {"hour": 5, "minute": 28}
